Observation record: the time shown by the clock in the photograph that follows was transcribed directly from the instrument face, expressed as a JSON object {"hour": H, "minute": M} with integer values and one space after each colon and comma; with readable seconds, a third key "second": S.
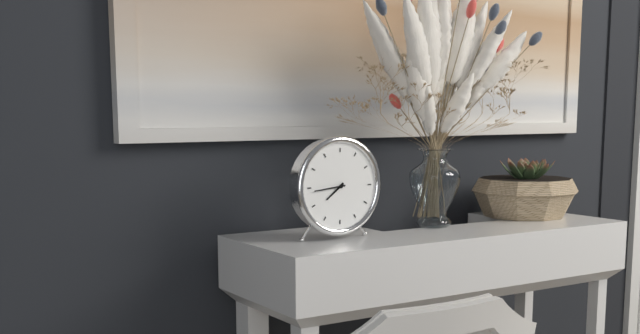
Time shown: {"hour": 7, "minute": 44}
